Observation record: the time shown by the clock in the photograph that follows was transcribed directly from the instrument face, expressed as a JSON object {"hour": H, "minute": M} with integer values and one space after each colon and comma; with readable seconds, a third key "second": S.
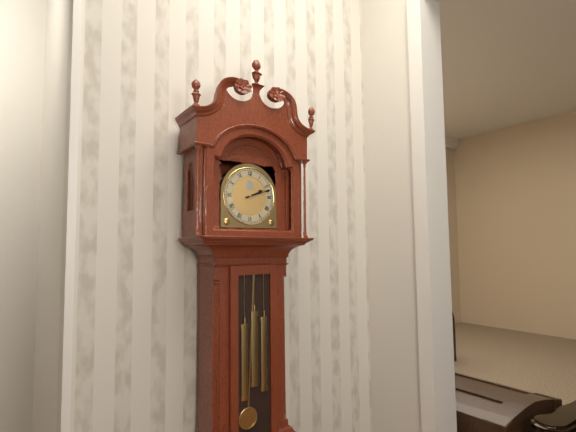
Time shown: {"hour": 2, "minute": 12}
